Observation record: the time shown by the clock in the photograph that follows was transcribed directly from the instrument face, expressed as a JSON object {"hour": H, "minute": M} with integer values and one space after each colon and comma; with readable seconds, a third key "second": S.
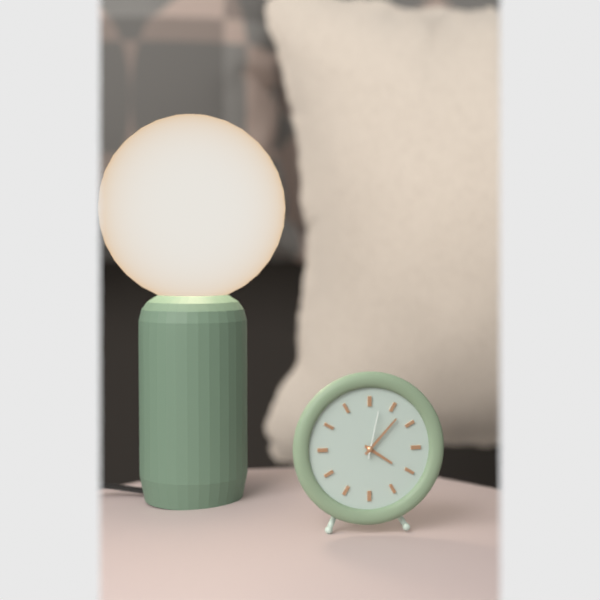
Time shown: {"hour": 4, "minute": 7}
